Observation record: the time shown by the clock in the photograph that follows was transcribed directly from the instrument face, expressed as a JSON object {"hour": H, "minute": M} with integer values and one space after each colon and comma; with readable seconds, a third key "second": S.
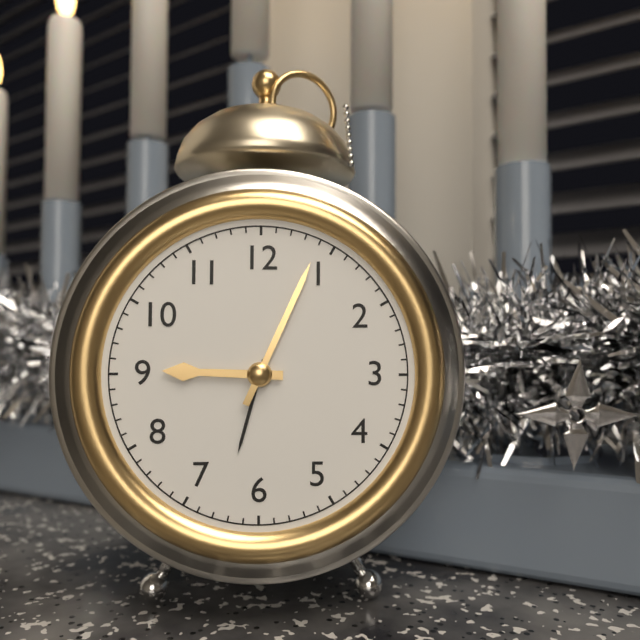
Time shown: {"hour": 9, "minute": 4}
